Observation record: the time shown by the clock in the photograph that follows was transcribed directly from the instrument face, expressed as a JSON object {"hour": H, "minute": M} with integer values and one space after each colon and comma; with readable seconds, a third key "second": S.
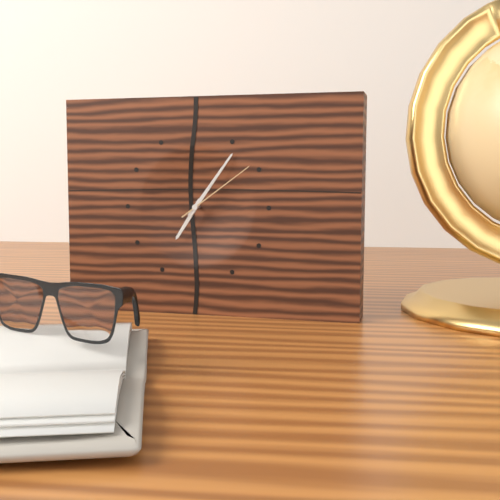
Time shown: {"hour": 7, "minute": 6, "second": 9}
